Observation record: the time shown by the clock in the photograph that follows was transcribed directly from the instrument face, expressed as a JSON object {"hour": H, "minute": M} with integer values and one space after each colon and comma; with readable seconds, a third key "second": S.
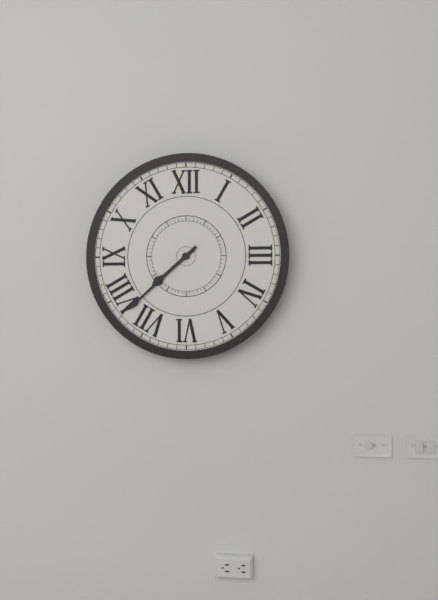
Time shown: {"hour": 7, "minute": 38}
